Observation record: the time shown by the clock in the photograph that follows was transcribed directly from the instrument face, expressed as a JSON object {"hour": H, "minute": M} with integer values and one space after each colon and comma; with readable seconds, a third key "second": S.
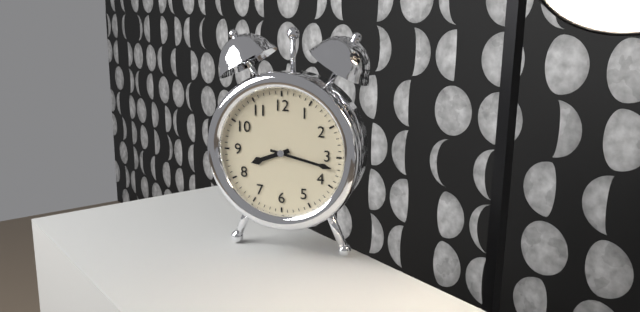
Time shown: {"hour": 8, "minute": 17}
